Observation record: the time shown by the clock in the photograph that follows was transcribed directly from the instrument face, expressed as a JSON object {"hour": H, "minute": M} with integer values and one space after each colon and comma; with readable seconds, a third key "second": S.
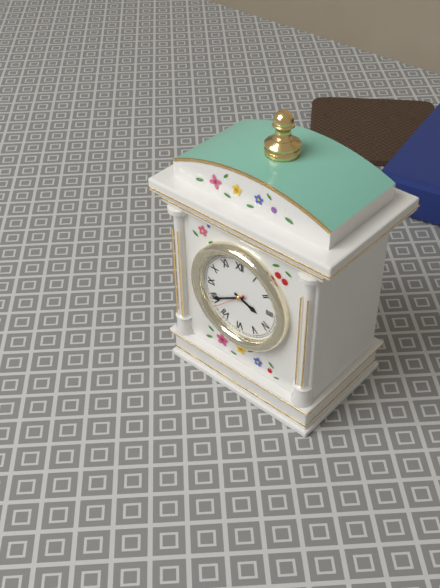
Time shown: {"hour": 3, "minute": 40}
